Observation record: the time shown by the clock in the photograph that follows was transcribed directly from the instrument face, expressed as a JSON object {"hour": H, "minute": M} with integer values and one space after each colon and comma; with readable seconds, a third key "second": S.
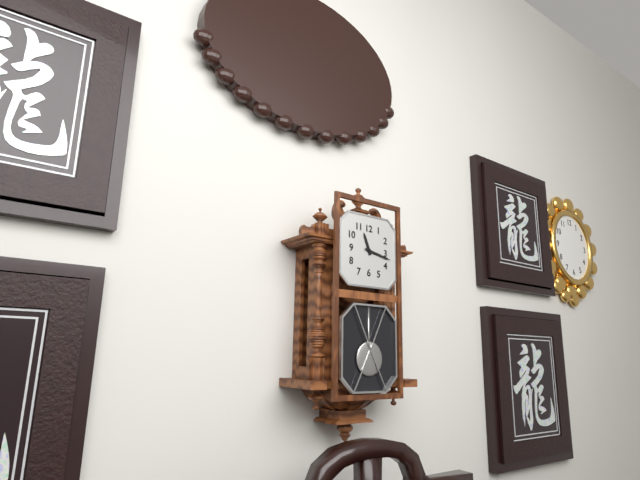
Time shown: {"hour": 11, "minute": 17}
